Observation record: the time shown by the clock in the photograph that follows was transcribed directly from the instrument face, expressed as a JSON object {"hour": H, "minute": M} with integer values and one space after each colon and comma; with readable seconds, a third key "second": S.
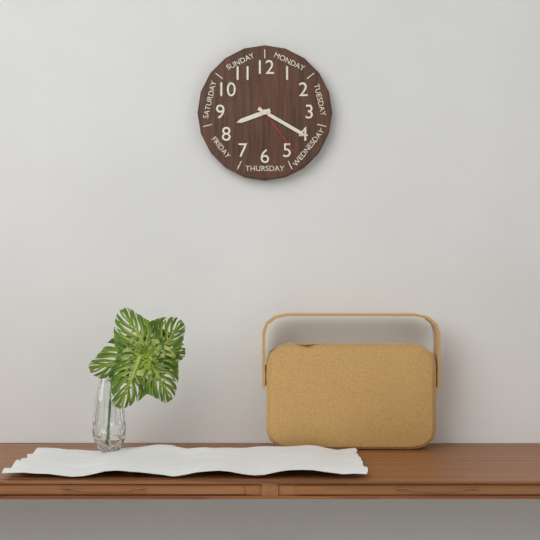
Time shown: {"hour": 8, "minute": 20, "second": 24}
